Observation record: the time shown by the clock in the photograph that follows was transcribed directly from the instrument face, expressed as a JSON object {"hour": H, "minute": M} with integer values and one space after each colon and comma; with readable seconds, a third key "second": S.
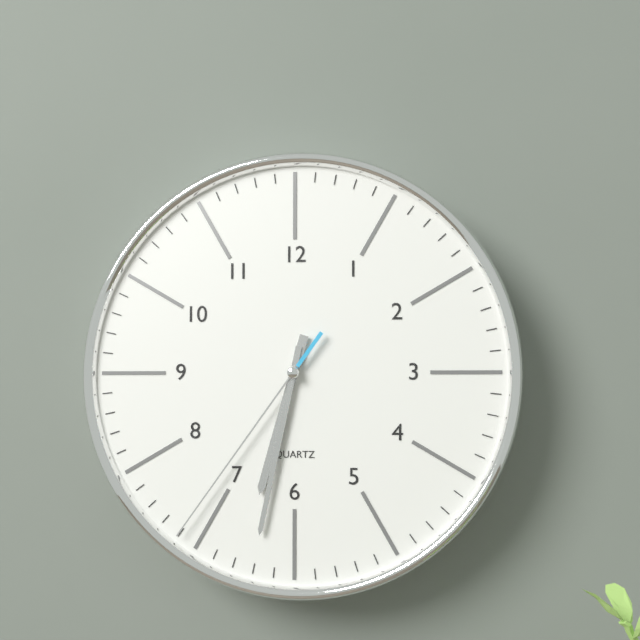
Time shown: {"hour": 6, "minute": 32, "second": 36}
